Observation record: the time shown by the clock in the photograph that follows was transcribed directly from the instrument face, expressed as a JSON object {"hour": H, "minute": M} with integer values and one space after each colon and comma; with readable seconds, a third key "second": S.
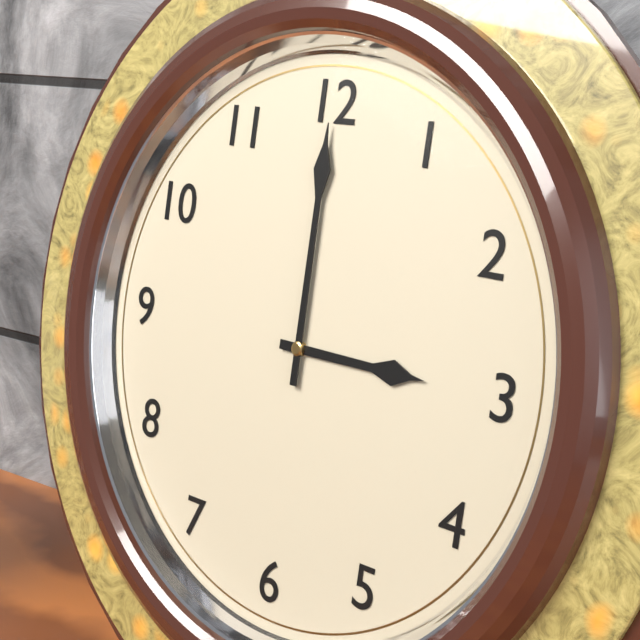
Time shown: {"hour": 3, "minute": 0}
